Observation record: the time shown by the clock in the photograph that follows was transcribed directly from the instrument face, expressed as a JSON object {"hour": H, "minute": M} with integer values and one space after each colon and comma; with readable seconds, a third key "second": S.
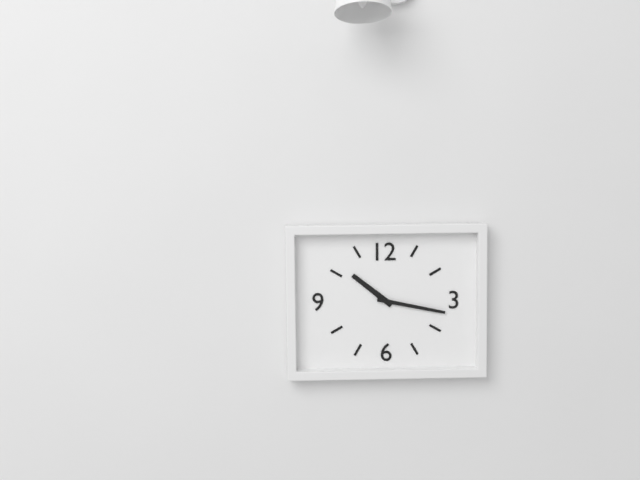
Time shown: {"hour": 10, "minute": 17}
